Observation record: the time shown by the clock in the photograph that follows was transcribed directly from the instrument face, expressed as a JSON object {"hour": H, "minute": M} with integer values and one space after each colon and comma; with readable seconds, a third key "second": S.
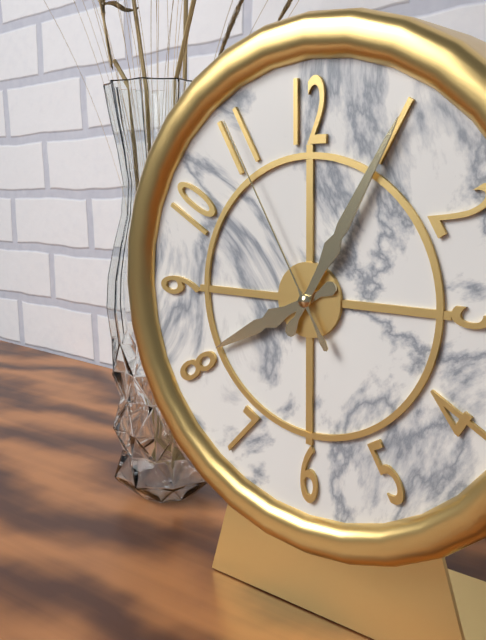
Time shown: {"hour": 8, "minute": 5, "second": 55}
